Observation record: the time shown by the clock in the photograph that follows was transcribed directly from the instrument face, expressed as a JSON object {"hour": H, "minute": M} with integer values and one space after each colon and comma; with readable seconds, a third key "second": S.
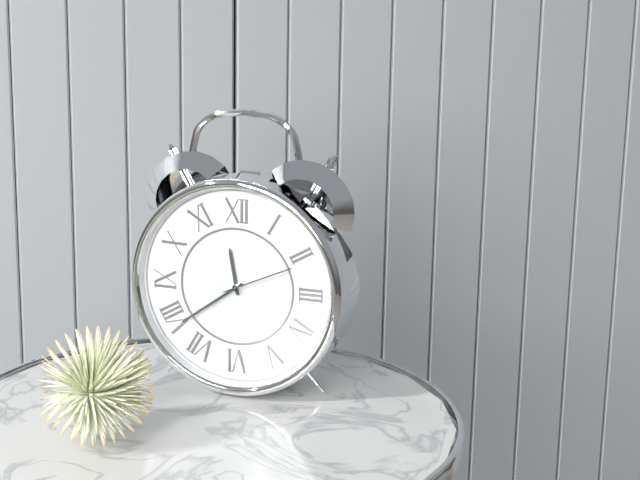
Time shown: {"hour": 11, "minute": 39, "second": 11}
